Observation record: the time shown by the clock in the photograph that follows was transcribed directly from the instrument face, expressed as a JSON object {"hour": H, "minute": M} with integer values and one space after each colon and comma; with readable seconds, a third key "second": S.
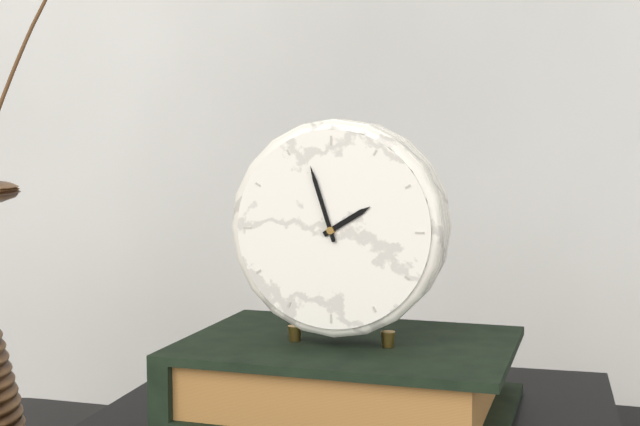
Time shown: {"hour": 1, "minute": 57}
